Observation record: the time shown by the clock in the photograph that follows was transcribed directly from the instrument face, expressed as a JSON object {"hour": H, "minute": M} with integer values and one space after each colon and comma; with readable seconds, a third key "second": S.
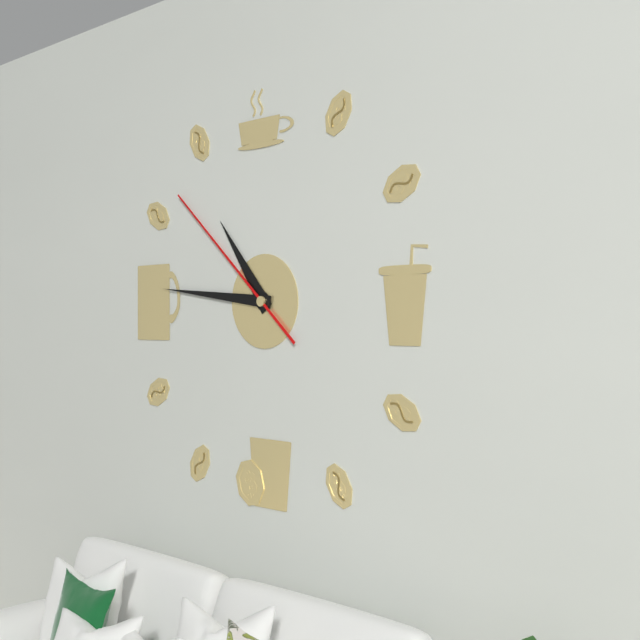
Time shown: {"hour": 10, "minute": 46, "second": 52}
